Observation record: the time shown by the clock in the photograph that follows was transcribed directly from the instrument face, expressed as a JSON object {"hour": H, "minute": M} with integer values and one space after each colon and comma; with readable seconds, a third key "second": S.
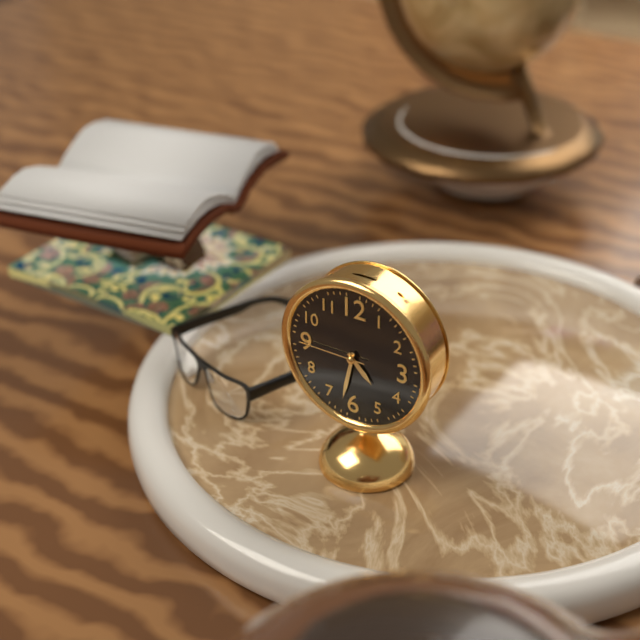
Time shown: {"hour": 4, "minute": 32, "second": 45}
